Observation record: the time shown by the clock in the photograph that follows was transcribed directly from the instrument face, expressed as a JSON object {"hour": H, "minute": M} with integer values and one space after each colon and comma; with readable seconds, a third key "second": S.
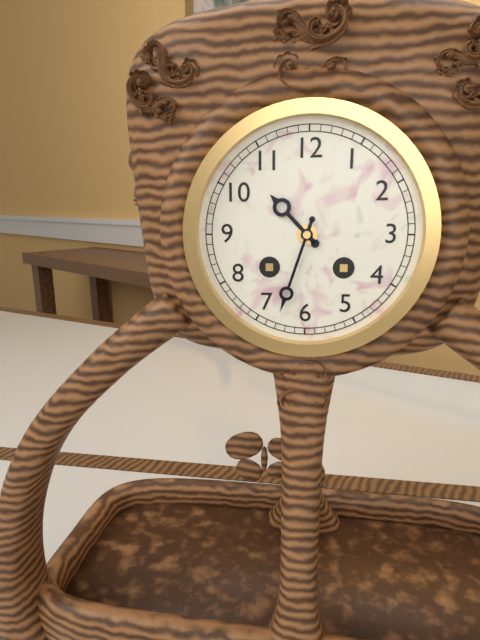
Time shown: {"hour": 10, "minute": 33}
